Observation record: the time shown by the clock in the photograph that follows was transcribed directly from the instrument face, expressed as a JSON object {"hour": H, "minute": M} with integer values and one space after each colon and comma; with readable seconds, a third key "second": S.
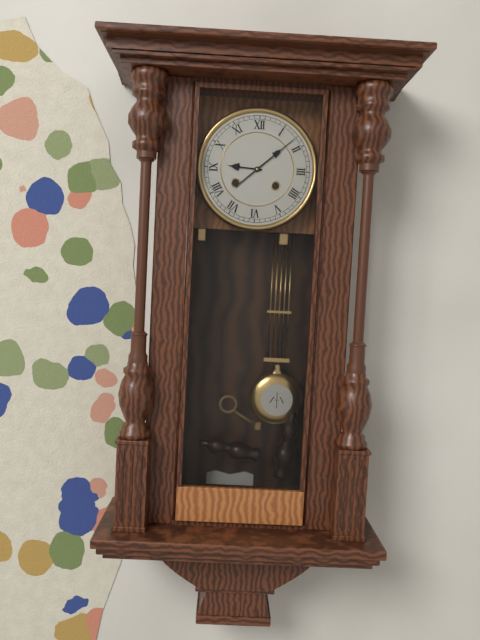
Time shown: {"hour": 9, "minute": 8}
